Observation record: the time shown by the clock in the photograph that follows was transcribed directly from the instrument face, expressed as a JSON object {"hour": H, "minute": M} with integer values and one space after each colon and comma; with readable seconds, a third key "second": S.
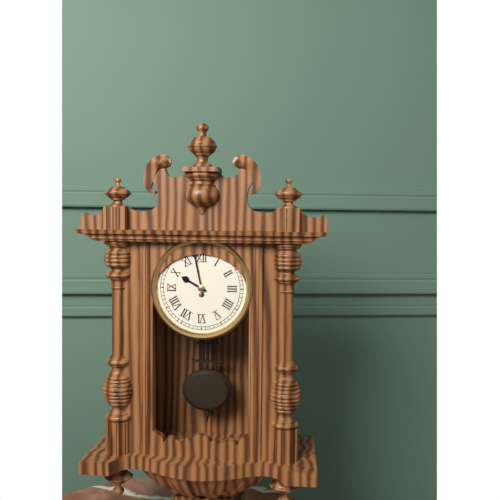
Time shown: {"hour": 9, "minute": 58}
